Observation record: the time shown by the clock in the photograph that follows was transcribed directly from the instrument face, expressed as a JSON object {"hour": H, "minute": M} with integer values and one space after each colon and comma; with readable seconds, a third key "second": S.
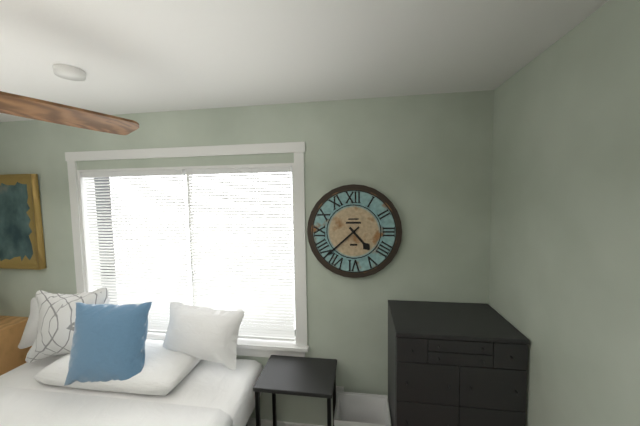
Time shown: {"hour": 4, "minute": 38}
